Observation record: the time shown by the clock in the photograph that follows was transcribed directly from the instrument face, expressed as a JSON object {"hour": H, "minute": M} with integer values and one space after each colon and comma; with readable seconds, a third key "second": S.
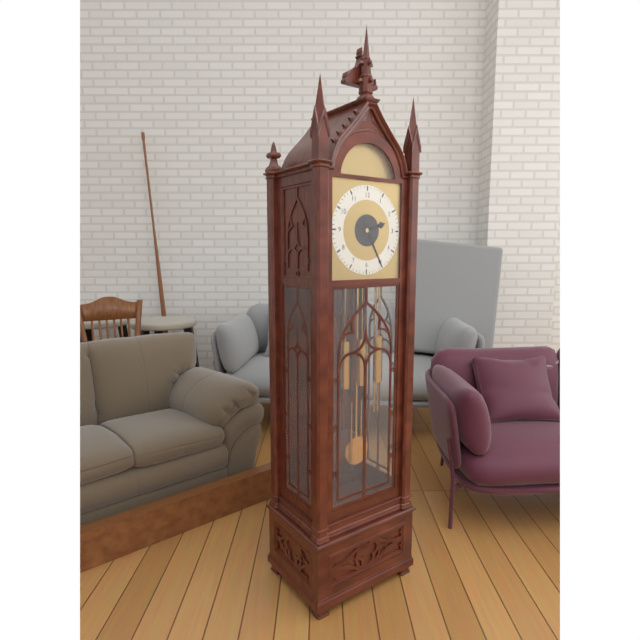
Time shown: {"hour": 2, "minute": 25}
